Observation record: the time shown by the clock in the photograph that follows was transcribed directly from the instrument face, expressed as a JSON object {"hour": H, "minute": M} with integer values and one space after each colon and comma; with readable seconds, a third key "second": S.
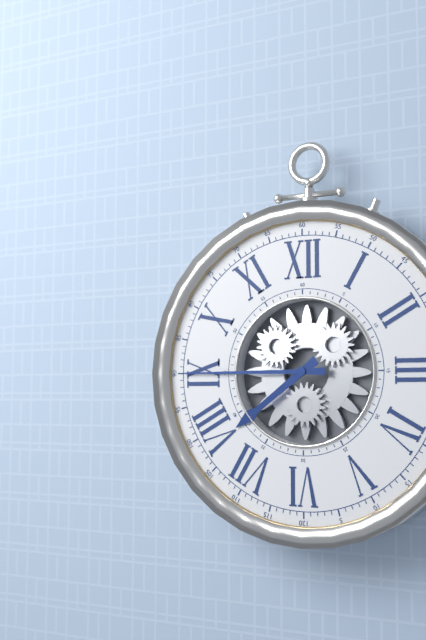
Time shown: {"hour": 7, "minute": 45}
